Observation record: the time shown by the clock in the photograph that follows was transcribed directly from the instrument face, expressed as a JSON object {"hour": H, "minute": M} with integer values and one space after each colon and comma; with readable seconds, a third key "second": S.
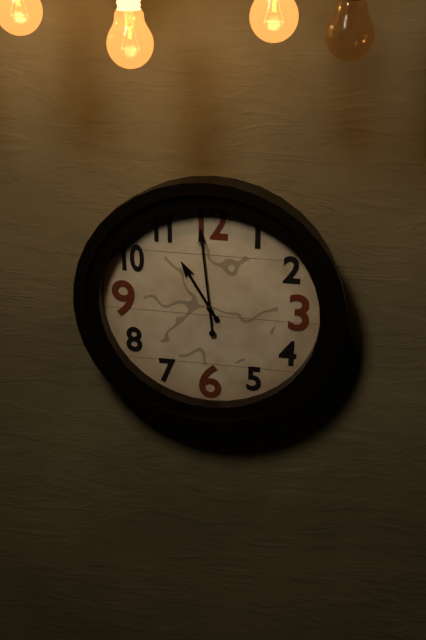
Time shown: {"hour": 10, "minute": 59}
